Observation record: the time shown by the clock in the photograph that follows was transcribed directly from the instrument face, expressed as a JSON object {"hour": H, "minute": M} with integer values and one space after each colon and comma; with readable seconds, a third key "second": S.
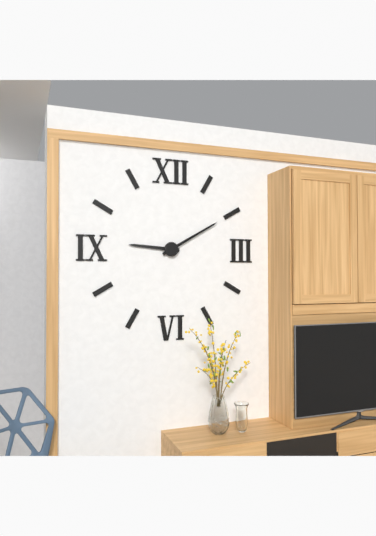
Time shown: {"hour": 9, "minute": 10}
